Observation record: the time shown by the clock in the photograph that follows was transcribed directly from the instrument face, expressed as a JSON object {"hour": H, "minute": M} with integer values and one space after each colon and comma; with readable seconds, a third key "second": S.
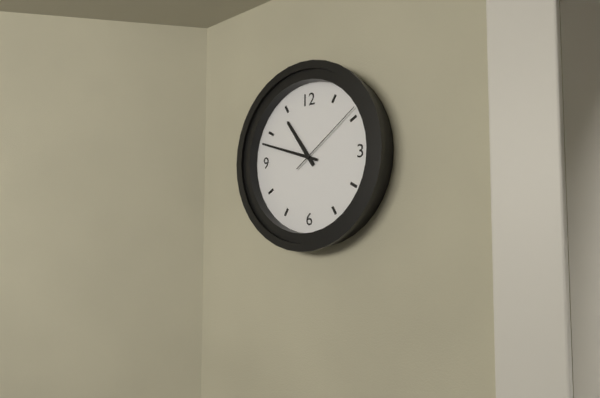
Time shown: {"hour": 10, "minute": 48, "second": 9}
